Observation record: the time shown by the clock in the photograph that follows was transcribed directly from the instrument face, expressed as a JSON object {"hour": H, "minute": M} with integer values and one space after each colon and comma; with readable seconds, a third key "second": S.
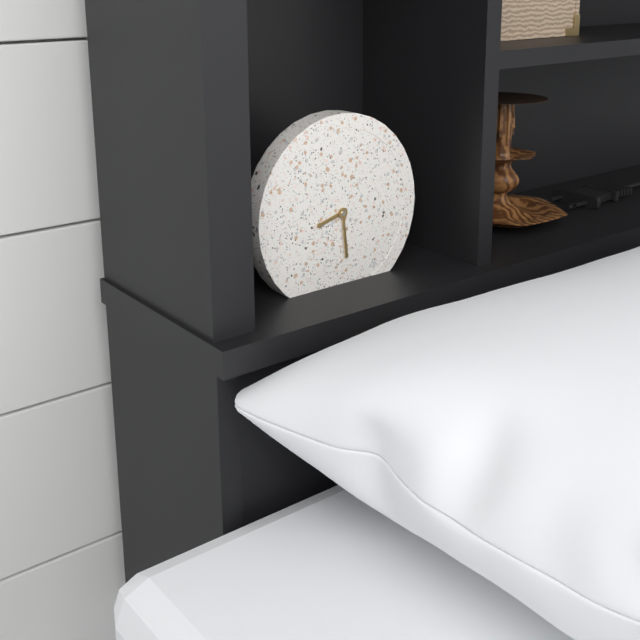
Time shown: {"hour": 8, "minute": 29}
